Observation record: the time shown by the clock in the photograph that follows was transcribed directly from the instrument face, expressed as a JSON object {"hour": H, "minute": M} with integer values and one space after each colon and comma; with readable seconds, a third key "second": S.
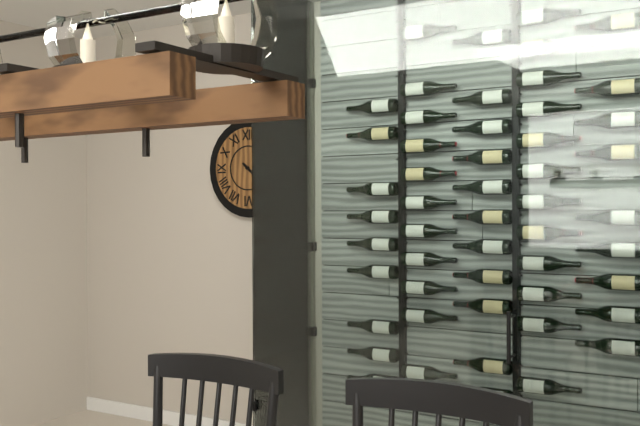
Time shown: {"hour": 4, "minute": 22}
